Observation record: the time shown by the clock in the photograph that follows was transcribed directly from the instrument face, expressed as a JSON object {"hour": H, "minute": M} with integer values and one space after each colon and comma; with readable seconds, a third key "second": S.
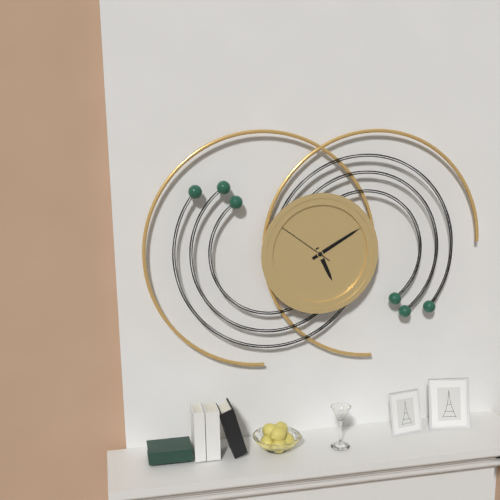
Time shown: {"hour": 5, "minute": 10, "second": 51}
